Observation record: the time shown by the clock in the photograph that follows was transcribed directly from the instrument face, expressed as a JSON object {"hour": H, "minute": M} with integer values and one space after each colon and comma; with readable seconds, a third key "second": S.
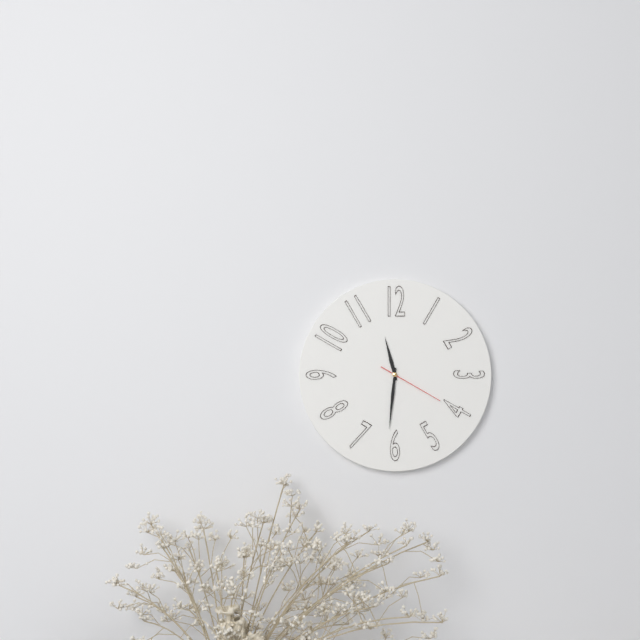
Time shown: {"hour": 11, "minute": 31, "second": 20}
